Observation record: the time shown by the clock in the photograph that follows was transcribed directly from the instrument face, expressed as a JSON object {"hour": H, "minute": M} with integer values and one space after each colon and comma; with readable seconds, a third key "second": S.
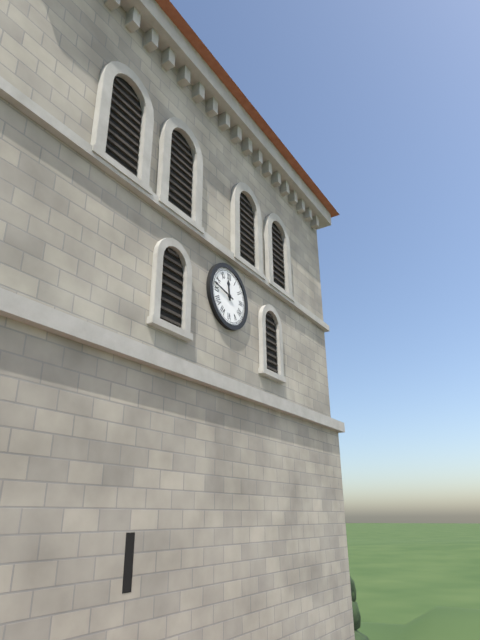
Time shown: {"hour": 11, "minute": 47}
